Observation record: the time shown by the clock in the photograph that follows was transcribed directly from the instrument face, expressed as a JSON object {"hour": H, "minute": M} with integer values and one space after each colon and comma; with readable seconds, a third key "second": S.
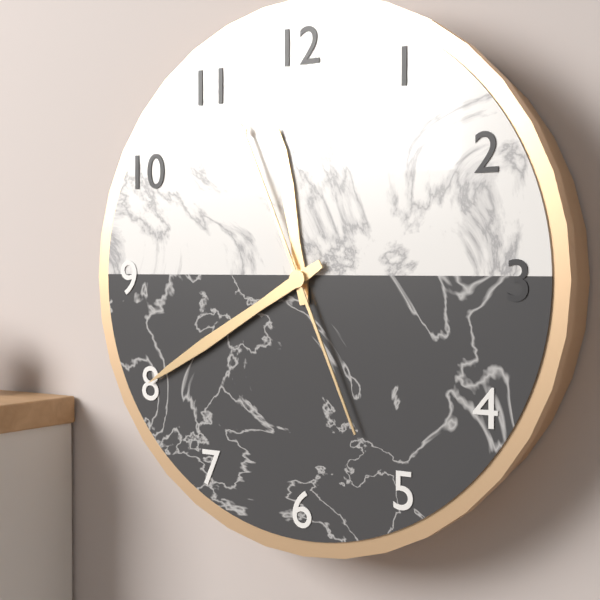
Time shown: {"hour": 11, "minute": 40, "second": 56}
